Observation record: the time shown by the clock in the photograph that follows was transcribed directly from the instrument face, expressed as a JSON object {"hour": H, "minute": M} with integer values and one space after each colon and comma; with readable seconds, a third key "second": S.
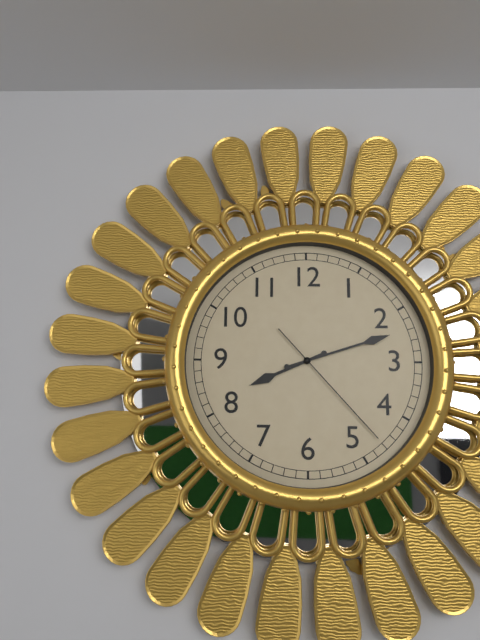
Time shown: {"hour": 8, "minute": 12, "second": 23}
